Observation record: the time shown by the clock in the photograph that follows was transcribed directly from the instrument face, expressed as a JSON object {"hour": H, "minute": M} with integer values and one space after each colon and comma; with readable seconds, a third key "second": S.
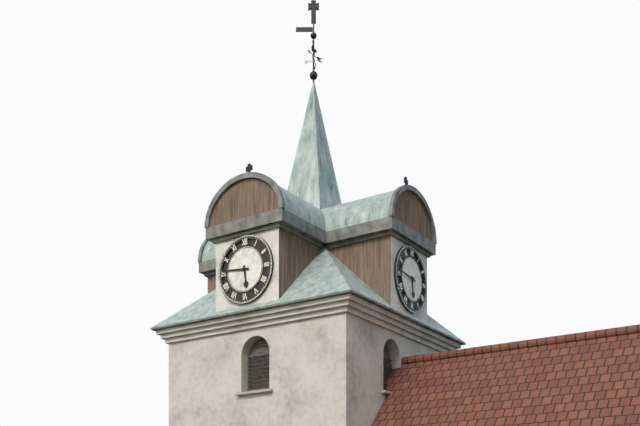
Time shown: {"hour": 5, "minute": 46}
